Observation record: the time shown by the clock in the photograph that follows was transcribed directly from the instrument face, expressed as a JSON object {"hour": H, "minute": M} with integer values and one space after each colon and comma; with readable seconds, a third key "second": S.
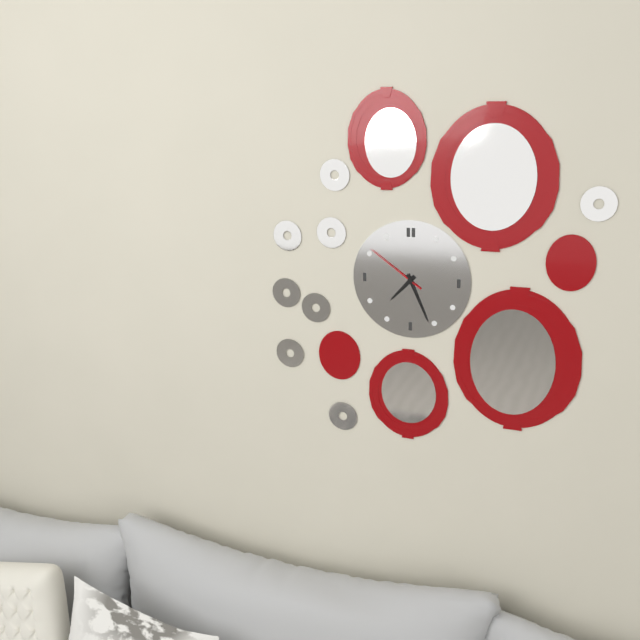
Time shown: {"hour": 7, "minute": 26, "second": 51}
